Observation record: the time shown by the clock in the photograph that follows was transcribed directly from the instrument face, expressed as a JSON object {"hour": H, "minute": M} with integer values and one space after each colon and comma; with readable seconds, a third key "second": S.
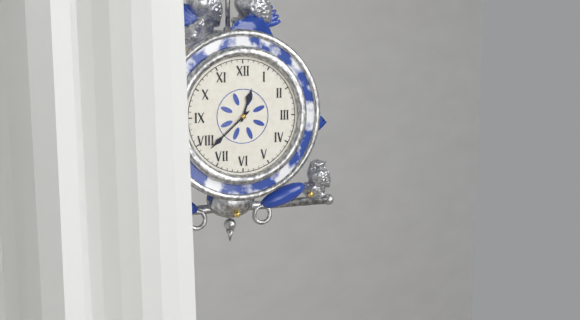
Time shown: {"hour": 12, "minute": 38}
